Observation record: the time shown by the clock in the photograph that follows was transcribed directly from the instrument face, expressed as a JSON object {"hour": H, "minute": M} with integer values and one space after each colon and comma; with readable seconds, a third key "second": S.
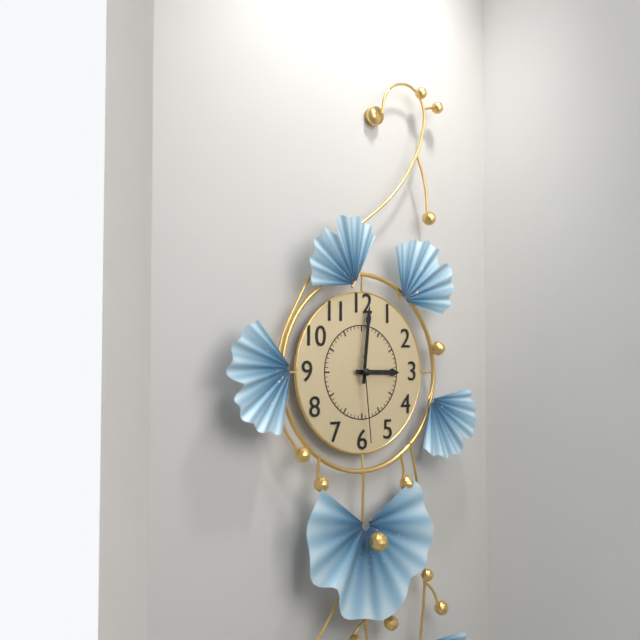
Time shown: {"hour": 3, "minute": 1, "second": 29}
